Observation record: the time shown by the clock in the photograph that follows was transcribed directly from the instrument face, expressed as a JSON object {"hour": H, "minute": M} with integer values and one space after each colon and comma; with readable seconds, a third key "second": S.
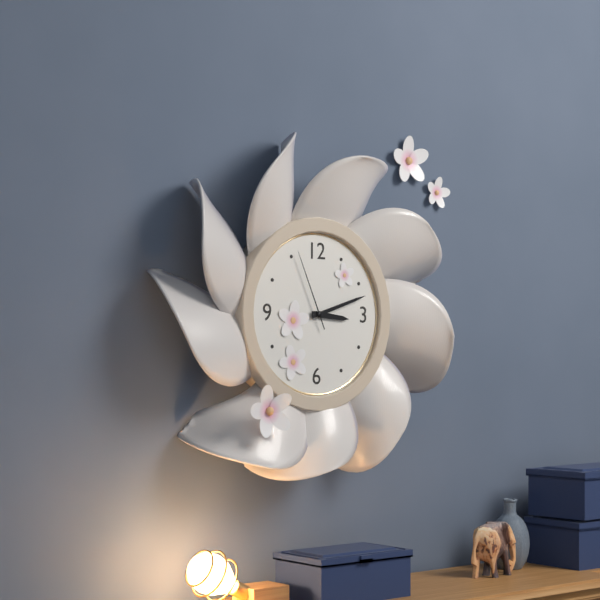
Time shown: {"hour": 3, "minute": 12, "second": 56}
